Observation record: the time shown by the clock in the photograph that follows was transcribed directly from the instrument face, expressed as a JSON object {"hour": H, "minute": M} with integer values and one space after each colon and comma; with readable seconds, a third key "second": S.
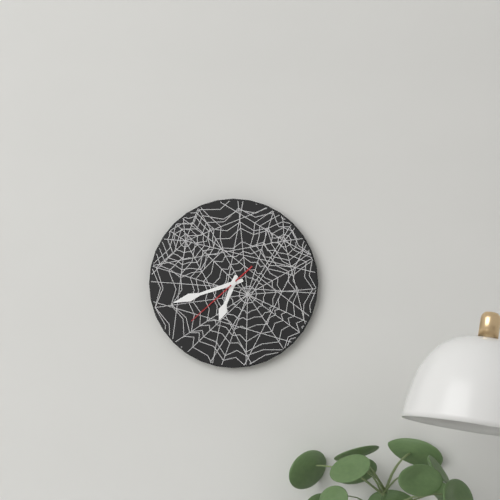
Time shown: {"hour": 6, "minute": 42, "second": 38}
